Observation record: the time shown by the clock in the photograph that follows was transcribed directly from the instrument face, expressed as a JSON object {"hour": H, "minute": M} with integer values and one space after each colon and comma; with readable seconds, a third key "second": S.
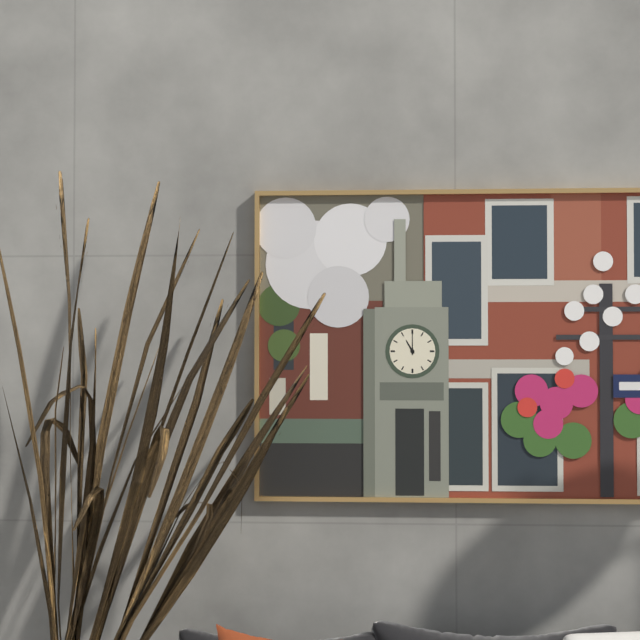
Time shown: {"hour": 11, "minute": 0}
